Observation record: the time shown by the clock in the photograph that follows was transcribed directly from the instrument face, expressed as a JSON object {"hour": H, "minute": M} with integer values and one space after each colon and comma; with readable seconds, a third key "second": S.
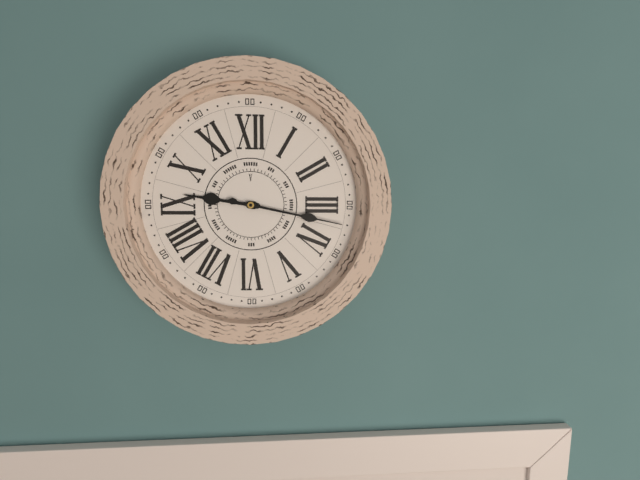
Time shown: {"hour": 9, "minute": 17}
